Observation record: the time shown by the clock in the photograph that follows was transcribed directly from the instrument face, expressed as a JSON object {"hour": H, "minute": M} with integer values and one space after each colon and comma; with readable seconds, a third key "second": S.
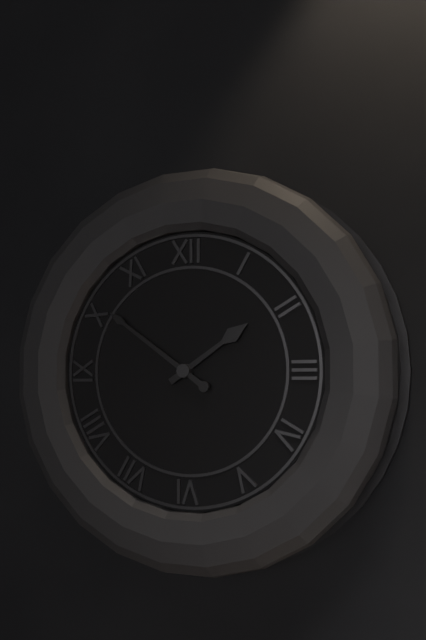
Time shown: {"hour": 1, "minute": 51}
